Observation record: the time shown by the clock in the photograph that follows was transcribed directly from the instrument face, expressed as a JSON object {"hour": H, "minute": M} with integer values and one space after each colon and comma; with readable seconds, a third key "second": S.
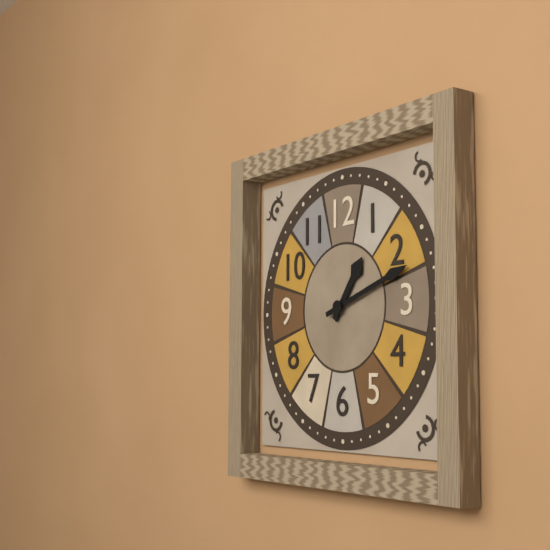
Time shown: {"hour": 1, "minute": 12}
